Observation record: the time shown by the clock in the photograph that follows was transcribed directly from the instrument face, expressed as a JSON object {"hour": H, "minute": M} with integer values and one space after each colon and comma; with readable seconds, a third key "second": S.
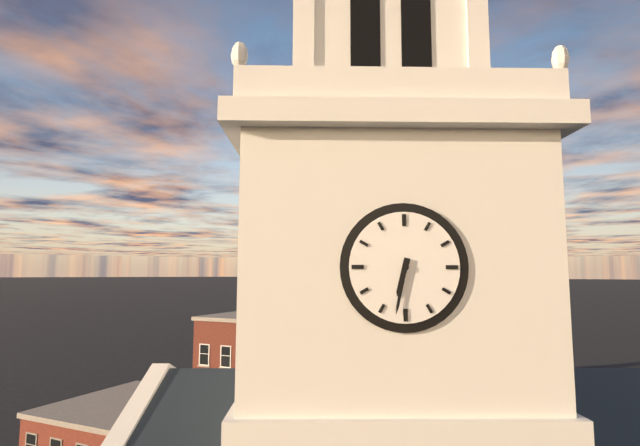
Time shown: {"hour": 6, "minute": 32}
